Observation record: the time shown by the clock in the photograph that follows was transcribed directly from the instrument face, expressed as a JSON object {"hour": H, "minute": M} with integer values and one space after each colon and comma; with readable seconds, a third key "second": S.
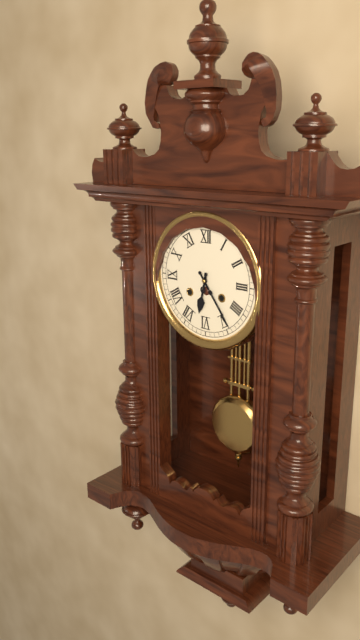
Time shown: {"hour": 6, "minute": 24}
